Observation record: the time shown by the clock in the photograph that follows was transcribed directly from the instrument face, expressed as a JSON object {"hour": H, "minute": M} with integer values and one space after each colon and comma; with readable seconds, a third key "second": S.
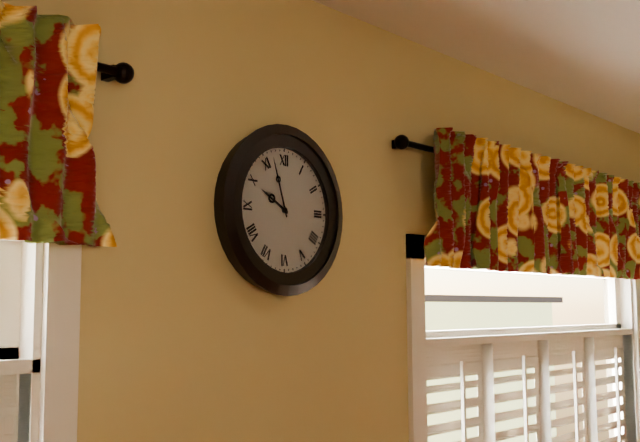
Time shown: {"hour": 9, "minute": 57}
